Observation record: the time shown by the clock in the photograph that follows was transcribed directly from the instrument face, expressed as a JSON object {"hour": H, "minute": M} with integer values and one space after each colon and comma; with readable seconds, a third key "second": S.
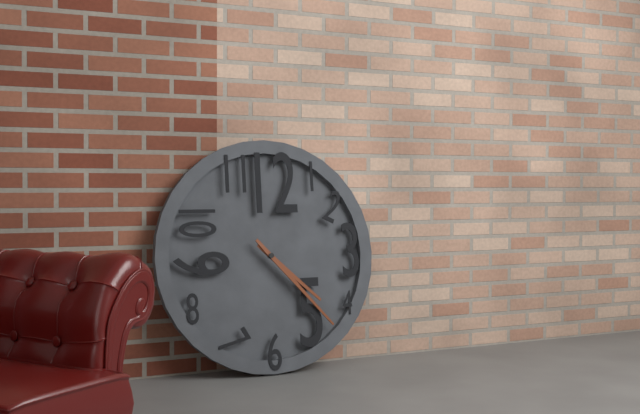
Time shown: {"hour": 4, "minute": 23}
